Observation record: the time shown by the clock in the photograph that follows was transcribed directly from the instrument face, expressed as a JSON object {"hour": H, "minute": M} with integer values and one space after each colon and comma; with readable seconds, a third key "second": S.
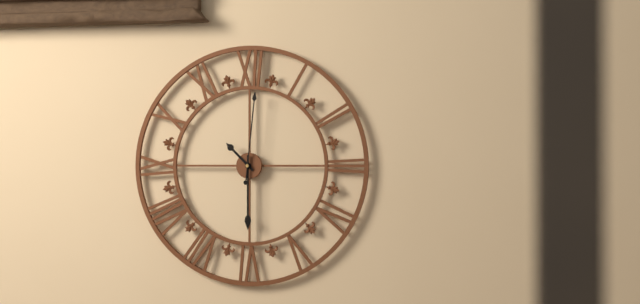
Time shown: {"hour": 10, "minute": 30, "second": 1}
